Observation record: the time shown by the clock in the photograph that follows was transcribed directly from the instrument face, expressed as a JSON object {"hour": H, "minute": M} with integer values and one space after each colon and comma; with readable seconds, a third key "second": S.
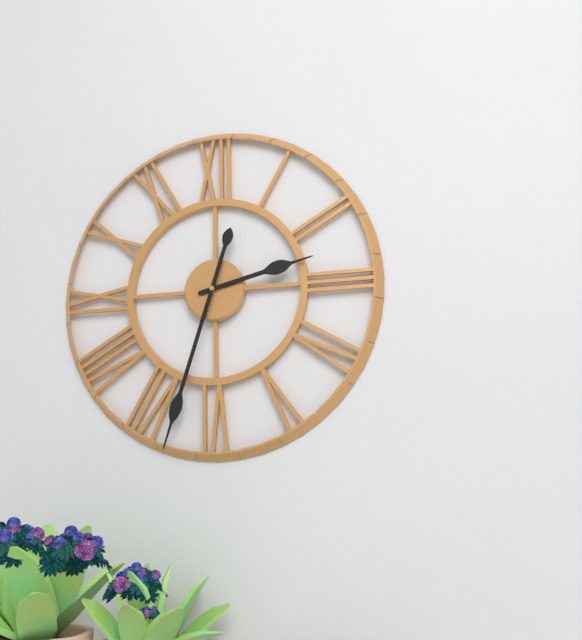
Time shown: {"hour": 2, "minute": 33}
